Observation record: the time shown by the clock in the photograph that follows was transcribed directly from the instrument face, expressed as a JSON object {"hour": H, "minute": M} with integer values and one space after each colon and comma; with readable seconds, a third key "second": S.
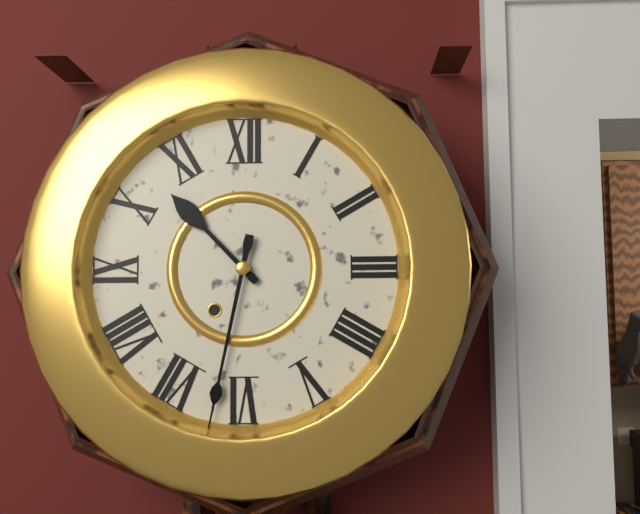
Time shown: {"hour": 10, "minute": 32}
